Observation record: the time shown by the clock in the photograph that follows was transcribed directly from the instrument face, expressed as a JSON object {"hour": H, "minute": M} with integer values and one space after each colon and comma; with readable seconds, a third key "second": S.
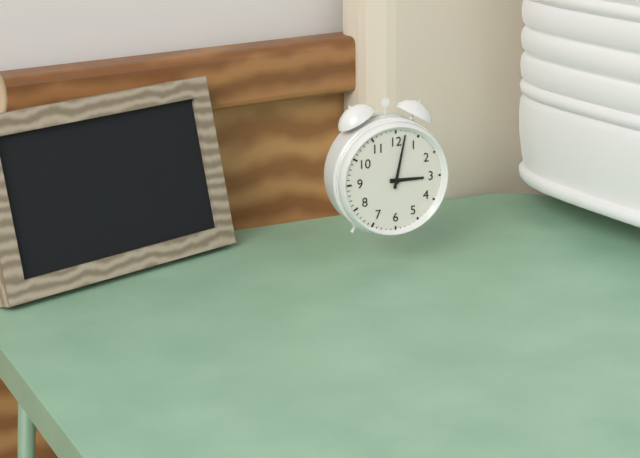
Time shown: {"hour": 3, "minute": 2}
